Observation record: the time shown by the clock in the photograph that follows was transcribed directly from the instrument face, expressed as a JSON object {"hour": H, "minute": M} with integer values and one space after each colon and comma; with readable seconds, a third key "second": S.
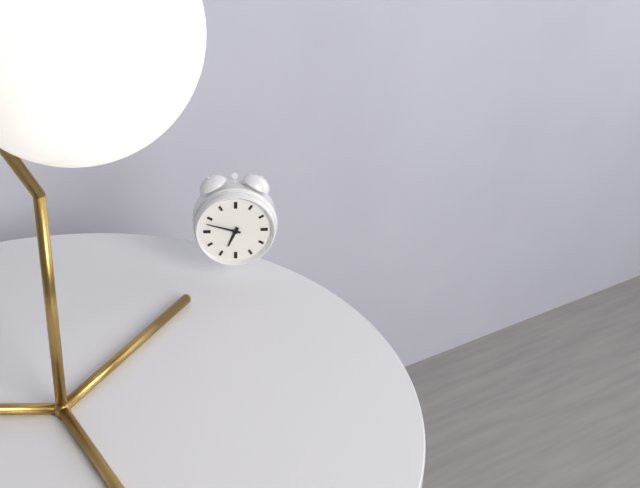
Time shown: {"hour": 6, "minute": 48}
